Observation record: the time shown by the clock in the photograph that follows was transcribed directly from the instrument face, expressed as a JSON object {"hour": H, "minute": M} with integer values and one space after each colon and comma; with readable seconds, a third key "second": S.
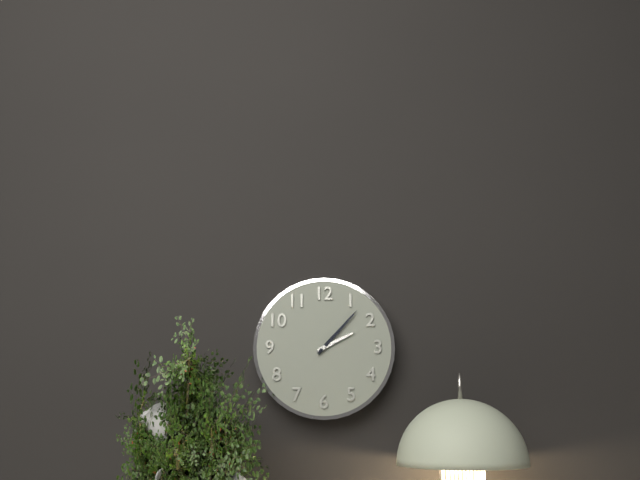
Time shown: {"hour": 2, "minute": 7}
